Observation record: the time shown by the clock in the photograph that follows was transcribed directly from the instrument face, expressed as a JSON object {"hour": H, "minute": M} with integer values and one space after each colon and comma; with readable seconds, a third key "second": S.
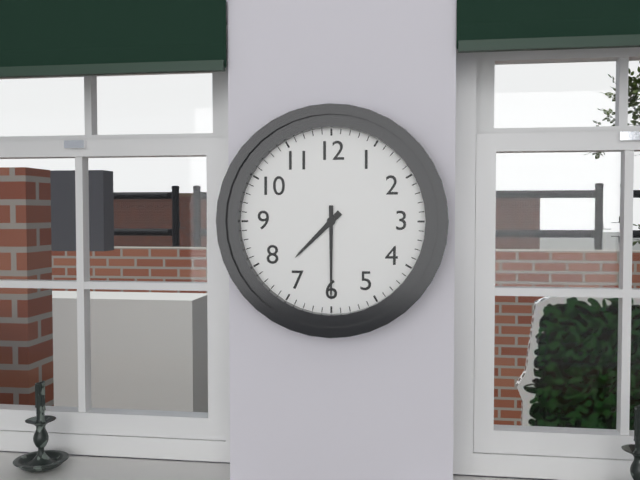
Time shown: {"hour": 7, "minute": 30}
